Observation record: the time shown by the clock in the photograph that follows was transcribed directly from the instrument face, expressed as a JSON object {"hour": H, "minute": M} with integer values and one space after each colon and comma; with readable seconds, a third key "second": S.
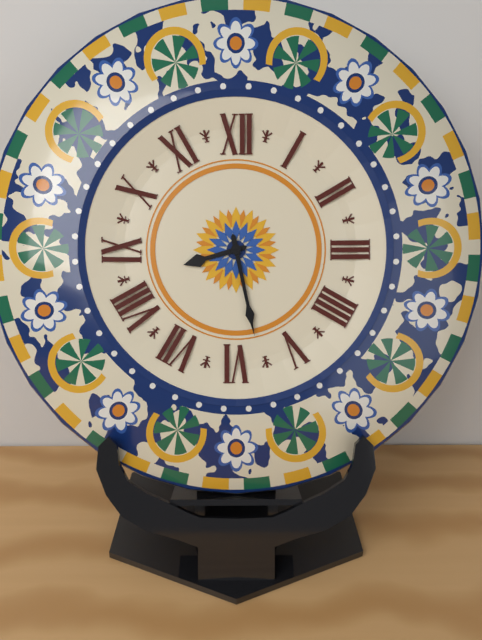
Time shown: {"hour": 8, "minute": 28}
